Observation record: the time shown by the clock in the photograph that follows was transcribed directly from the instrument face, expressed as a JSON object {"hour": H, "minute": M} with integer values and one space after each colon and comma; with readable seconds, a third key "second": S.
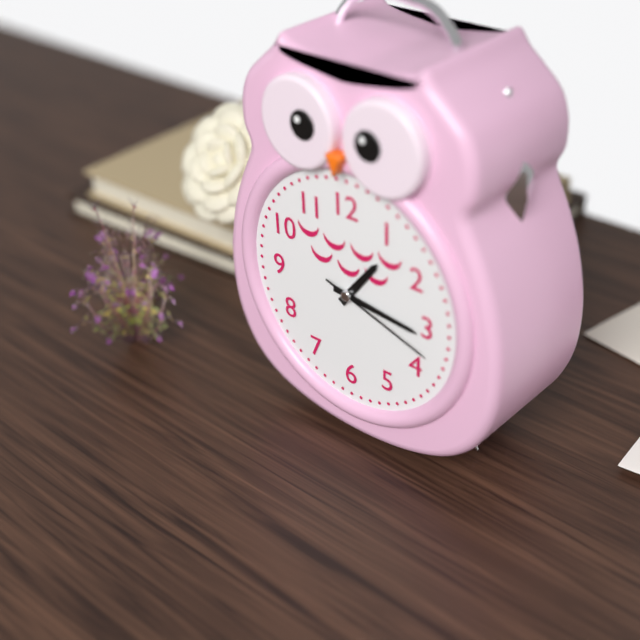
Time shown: {"hour": 1, "minute": 16, "second": 18}
